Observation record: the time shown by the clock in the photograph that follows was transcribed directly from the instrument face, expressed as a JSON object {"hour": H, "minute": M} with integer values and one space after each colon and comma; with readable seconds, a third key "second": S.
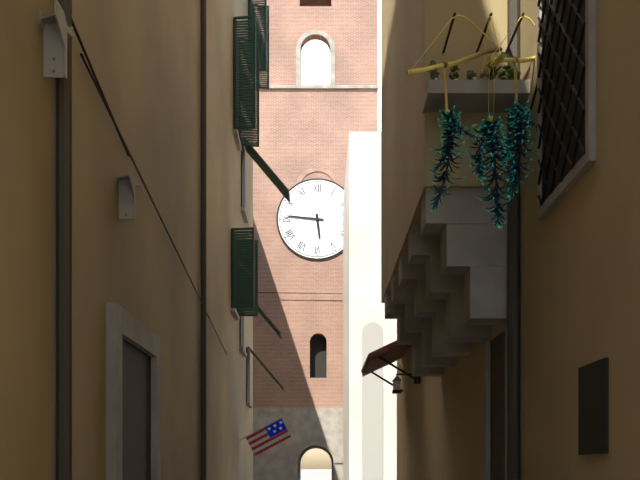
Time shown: {"hour": 5, "minute": 46}
